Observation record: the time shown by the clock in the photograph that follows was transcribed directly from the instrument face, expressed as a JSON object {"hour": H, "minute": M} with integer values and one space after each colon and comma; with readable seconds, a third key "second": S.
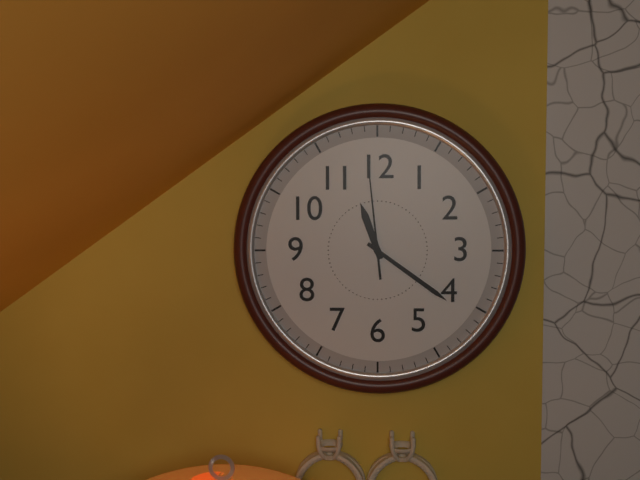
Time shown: {"hour": 11, "minute": 21, "second": 59}
